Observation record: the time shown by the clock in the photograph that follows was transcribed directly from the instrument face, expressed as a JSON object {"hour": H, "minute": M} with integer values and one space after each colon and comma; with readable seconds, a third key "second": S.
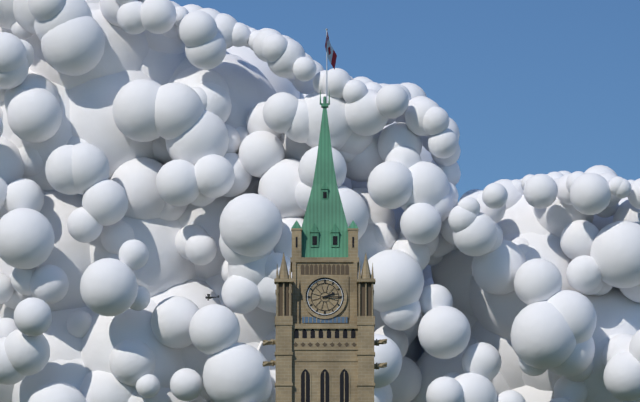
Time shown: {"hour": 2, "minute": 15}
